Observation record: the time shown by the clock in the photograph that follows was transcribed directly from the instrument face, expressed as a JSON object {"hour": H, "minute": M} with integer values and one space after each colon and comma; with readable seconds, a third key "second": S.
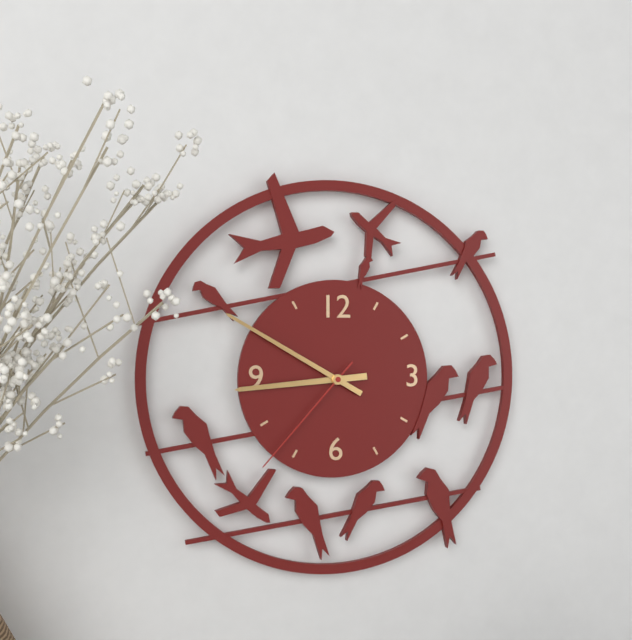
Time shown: {"hour": 8, "minute": 50, "second": 37}
